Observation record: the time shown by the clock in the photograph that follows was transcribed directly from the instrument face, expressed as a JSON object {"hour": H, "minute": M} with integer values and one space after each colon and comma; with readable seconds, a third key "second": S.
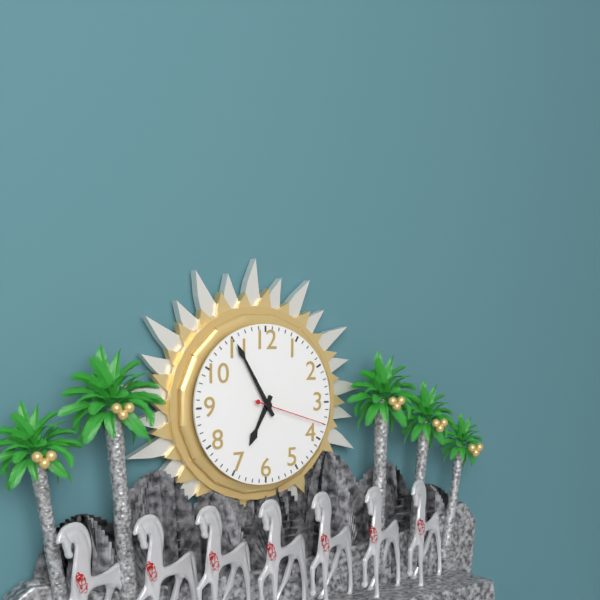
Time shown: {"hour": 6, "minute": 55, "second": 18}
